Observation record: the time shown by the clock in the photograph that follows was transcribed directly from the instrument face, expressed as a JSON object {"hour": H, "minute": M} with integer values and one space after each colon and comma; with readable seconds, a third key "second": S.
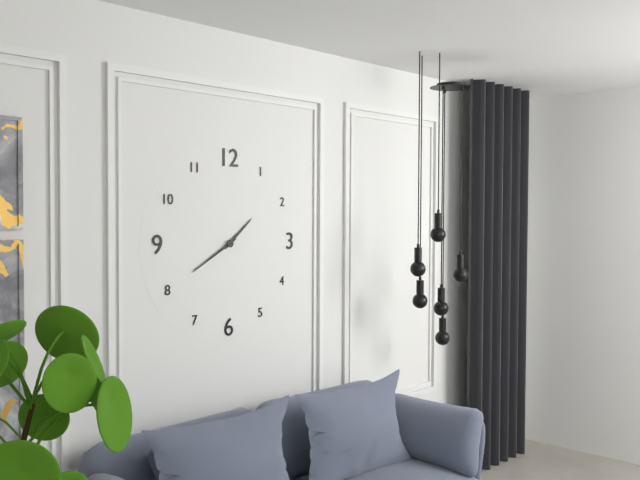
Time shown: {"hour": 1, "minute": 40}
